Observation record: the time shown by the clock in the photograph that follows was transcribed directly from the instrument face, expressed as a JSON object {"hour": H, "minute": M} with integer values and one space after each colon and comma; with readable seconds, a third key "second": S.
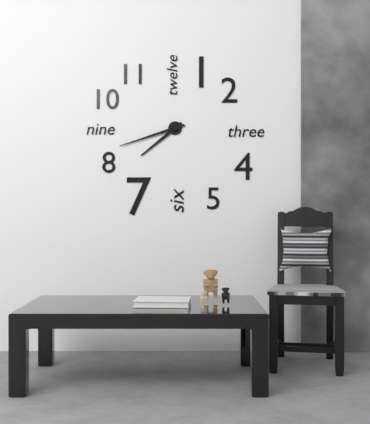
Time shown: {"hour": 7, "minute": 42}
